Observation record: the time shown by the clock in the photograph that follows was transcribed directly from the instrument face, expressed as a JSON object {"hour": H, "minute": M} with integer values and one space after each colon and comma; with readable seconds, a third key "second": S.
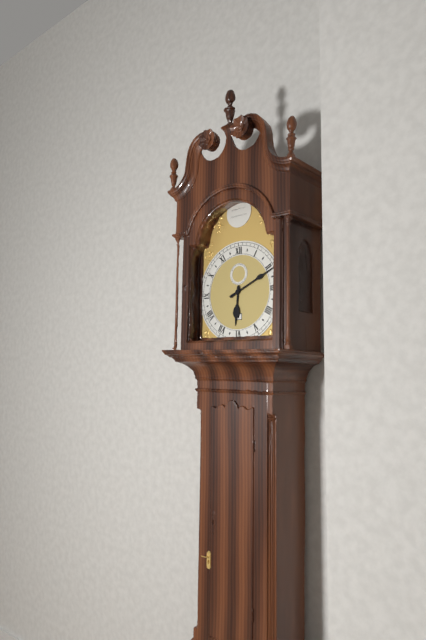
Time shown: {"hour": 6, "minute": 11}
